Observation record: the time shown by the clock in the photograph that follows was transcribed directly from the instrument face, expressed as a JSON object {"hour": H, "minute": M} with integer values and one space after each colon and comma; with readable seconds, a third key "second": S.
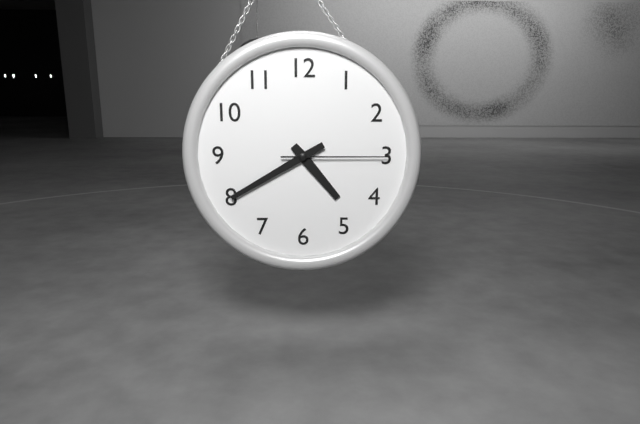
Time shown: {"hour": 4, "minute": 40, "second": 15}
